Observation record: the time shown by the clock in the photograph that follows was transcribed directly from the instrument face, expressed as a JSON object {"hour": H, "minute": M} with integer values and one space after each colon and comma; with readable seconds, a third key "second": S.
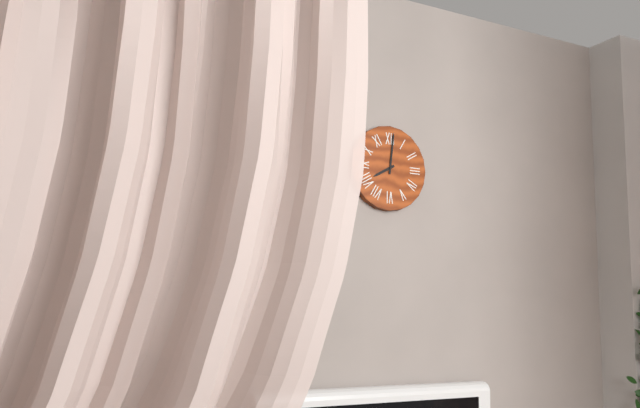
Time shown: {"hour": 8, "minute": 1}
